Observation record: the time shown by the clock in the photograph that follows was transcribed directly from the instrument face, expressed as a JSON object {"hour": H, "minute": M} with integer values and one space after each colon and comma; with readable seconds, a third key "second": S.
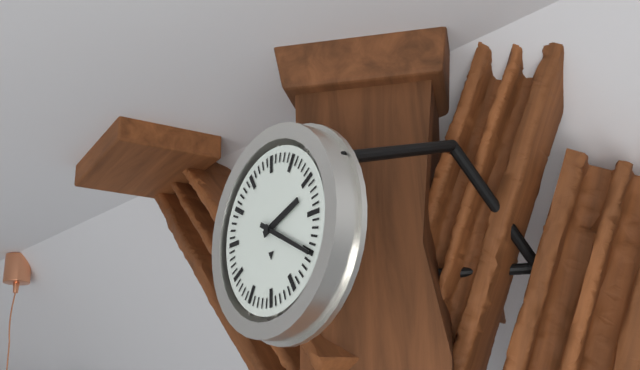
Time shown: {"hour": 2, "minute": 20}
